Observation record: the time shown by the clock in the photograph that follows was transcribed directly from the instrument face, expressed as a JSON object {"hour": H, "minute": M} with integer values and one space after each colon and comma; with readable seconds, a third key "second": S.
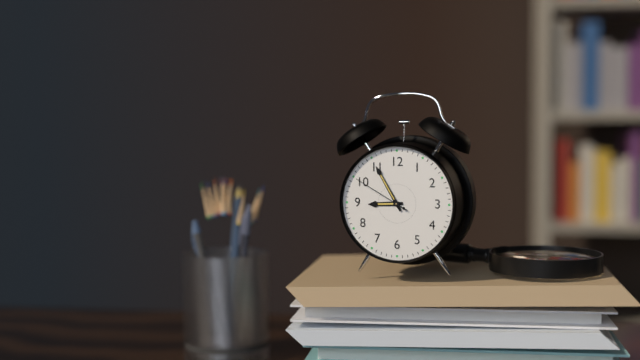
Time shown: {"hour": 8, "minute": 55, "second": 50}
